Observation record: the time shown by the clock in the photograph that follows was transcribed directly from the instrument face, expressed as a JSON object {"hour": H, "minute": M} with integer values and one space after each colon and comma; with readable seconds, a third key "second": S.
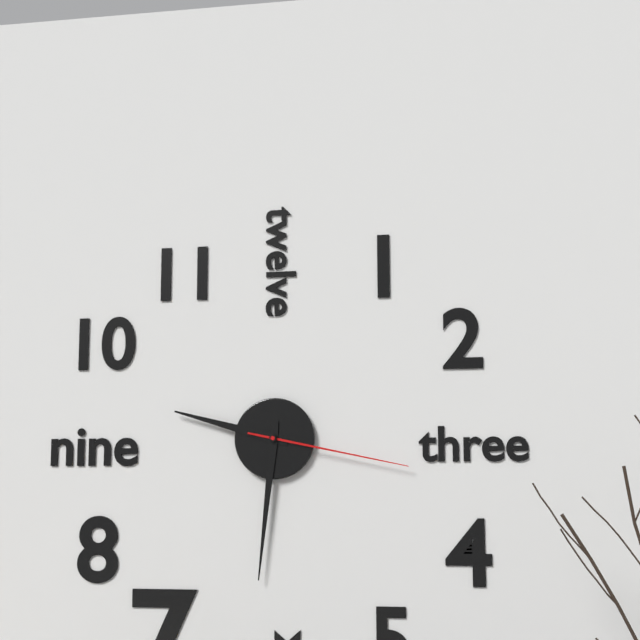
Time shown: {"hour": 9, "minute": 31, "second": 17}
